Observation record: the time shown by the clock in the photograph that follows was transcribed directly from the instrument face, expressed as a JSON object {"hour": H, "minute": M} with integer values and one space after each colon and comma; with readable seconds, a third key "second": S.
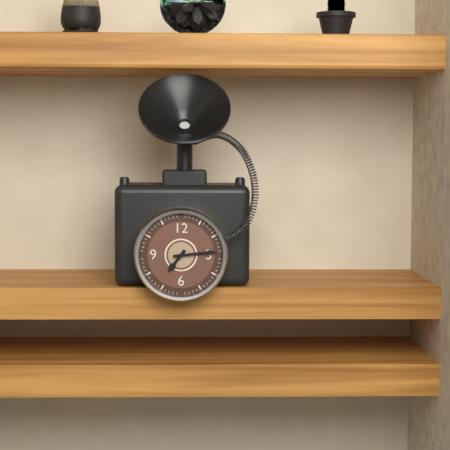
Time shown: {"hour": 7, "minute": 14}
